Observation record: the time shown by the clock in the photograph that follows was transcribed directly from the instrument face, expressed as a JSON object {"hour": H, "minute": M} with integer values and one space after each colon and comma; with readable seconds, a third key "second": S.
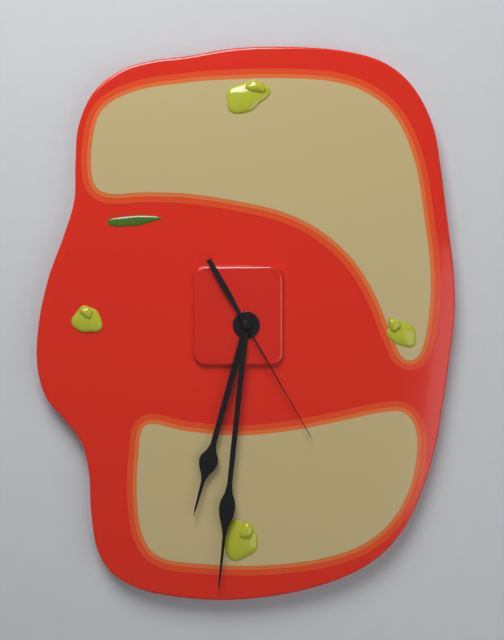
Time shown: {"hour": 6, "minute": 31, "second": 25}
